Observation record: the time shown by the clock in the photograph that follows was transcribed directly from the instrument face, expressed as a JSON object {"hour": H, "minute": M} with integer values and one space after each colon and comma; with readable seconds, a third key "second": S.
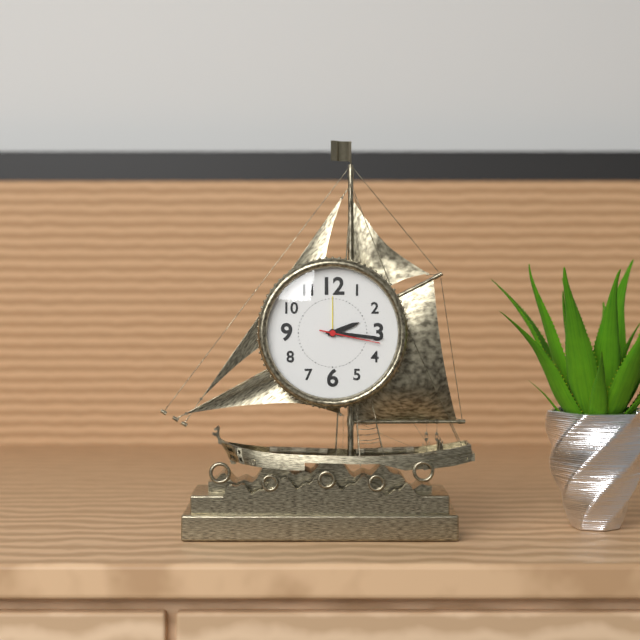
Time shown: {"hour": 2, "minute": 16, "second": 17}
